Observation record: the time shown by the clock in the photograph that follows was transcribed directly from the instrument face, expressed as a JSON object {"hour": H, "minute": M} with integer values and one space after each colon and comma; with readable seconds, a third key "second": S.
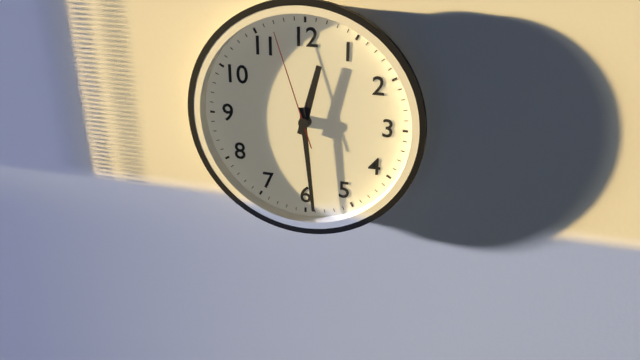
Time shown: {"hour": 12, "minute": 29, "second": 57}
